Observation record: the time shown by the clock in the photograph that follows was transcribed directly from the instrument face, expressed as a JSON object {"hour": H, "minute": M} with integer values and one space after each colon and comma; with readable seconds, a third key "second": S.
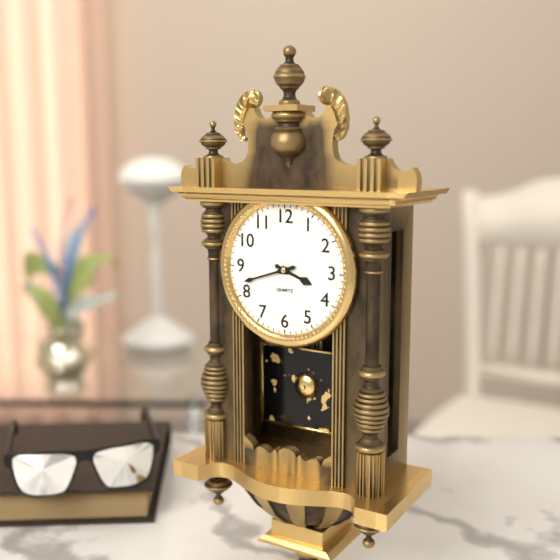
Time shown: {"hour": 3, "minute": 42}
